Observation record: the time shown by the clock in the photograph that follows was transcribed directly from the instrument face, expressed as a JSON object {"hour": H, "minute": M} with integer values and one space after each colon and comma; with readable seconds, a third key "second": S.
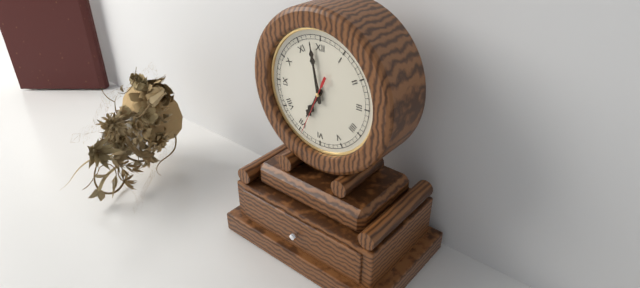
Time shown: {"hour": 6, "minute": 58, "second": 34}
